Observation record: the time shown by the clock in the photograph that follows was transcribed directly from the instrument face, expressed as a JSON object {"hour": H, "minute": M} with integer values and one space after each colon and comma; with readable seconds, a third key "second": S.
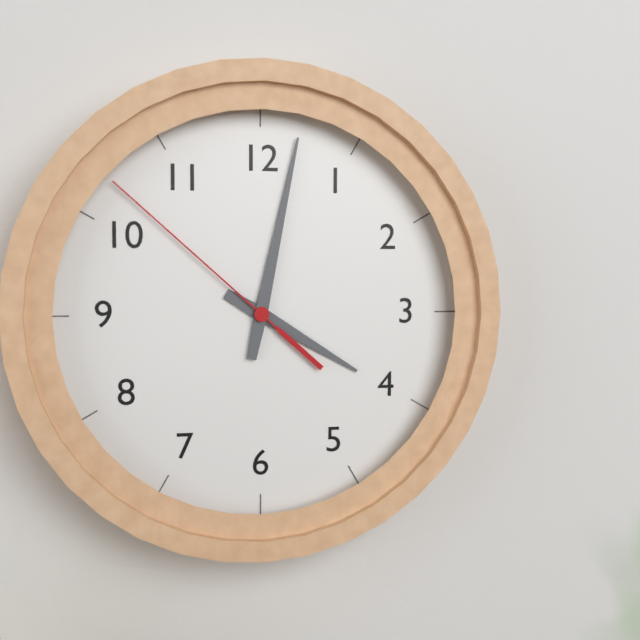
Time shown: {"hour": 4, "minute": 2, "second": 52}
